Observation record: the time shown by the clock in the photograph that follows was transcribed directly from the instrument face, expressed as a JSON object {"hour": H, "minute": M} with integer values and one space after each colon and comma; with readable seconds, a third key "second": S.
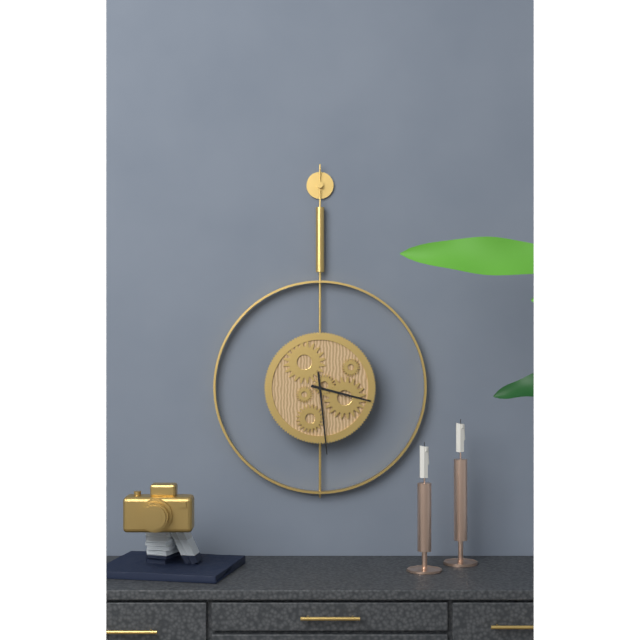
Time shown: {"hour": 3, "minute": 29}
